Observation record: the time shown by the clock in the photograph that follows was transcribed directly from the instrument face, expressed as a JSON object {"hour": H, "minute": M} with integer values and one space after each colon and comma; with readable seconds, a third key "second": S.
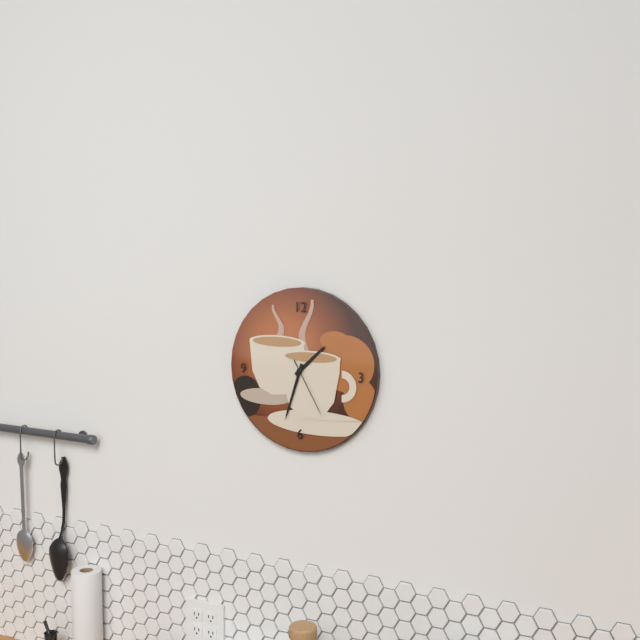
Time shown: {"hour": 1, "minute": 33, "second": 25}
